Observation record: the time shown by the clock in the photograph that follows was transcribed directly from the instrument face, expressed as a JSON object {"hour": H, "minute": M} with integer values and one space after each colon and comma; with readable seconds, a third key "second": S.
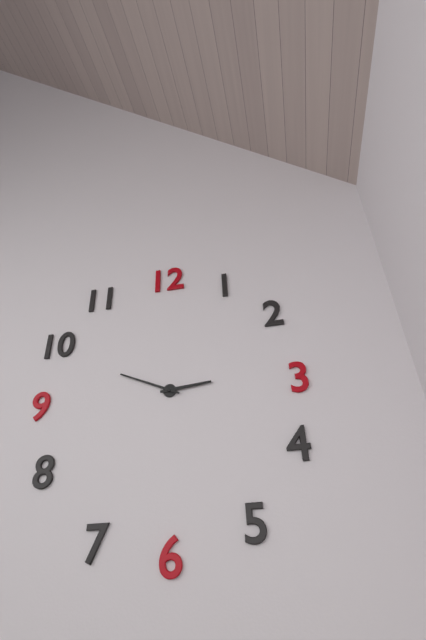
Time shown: {"hour": 2, "minute": 49}
